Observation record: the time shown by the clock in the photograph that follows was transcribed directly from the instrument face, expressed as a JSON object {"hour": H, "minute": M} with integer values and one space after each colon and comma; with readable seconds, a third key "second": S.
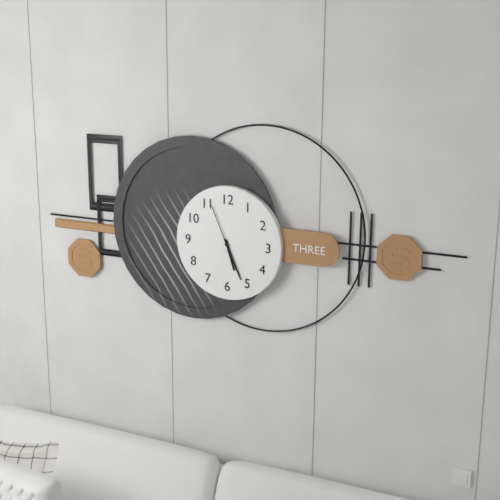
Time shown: {"hour": 5, "minute": 26, "second": 56}
